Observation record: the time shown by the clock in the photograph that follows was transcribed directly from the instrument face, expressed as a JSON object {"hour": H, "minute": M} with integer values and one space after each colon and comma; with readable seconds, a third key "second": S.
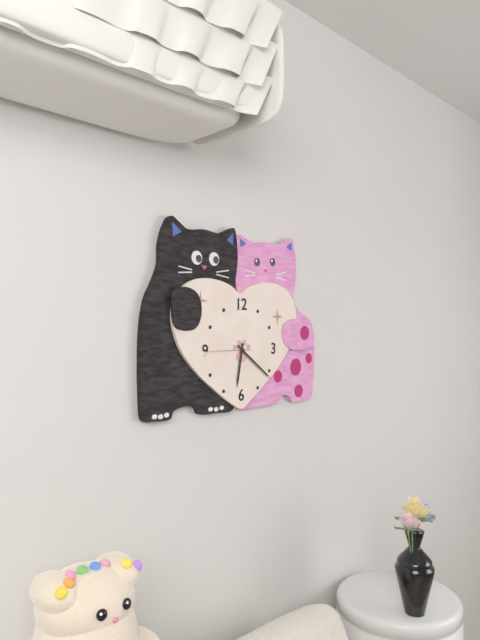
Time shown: {"hour": 6, "minute": 21}
